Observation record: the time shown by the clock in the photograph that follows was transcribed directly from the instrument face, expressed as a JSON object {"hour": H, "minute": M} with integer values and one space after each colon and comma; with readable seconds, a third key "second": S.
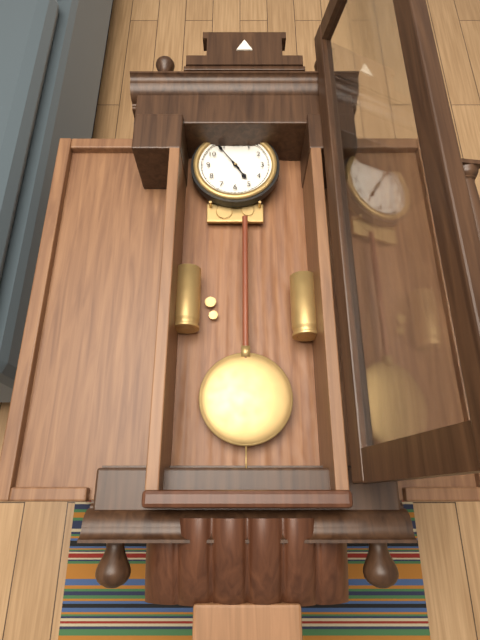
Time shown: {"hour": 4, "minute": 54}
